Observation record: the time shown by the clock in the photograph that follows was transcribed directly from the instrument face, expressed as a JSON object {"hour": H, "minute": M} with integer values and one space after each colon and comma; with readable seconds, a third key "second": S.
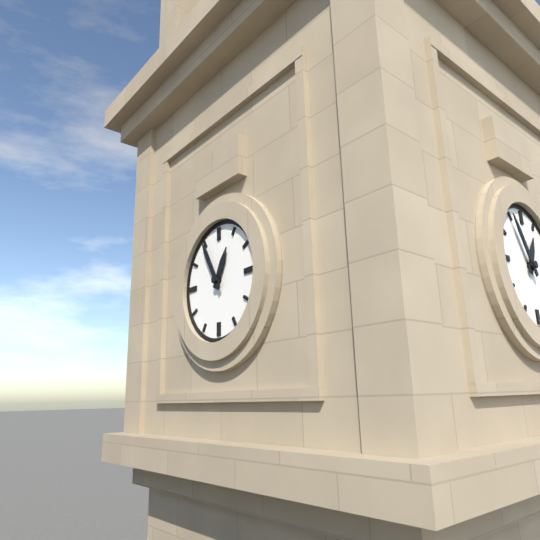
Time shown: {"hour": 12, "minute": 55}
